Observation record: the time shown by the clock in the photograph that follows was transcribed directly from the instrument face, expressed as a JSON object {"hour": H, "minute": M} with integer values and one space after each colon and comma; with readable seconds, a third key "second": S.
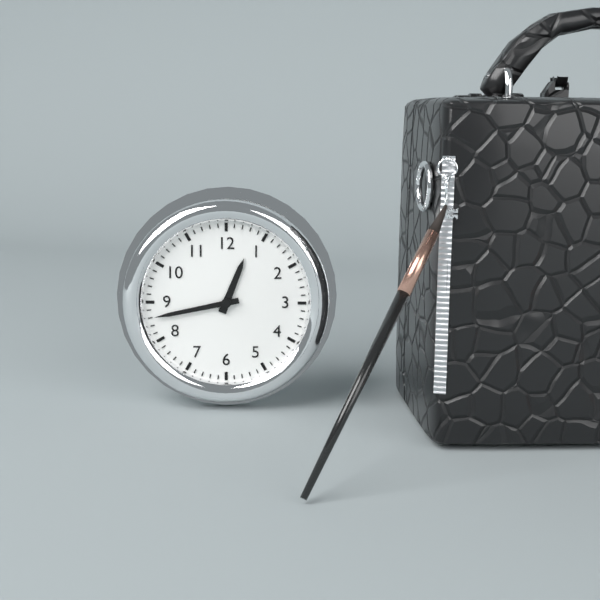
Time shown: {"hour": 12, "minute": 43}
